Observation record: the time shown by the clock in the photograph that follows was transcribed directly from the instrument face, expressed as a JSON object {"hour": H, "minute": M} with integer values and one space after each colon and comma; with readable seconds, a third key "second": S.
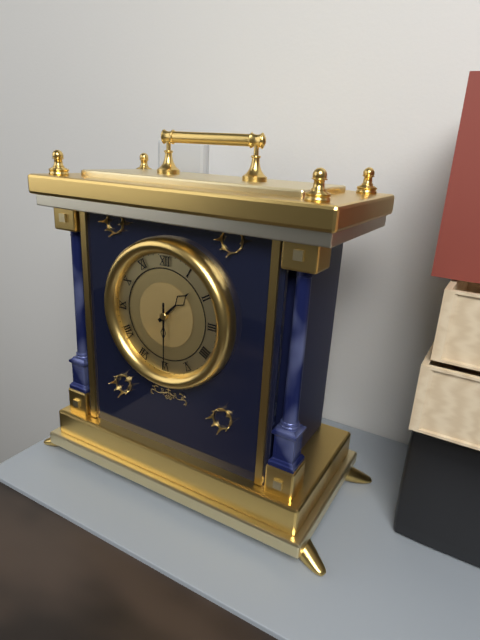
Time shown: {"hour": 1, "minute": 30}
